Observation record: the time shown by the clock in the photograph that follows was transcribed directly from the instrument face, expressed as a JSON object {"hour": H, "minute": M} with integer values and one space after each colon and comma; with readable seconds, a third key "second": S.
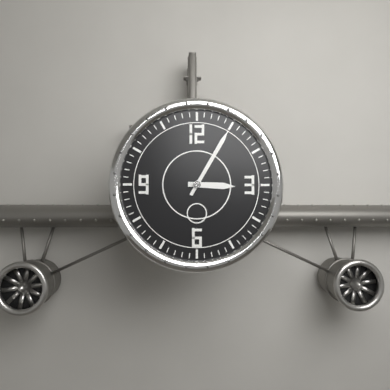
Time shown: {"hour": 3, "minute": 5}
